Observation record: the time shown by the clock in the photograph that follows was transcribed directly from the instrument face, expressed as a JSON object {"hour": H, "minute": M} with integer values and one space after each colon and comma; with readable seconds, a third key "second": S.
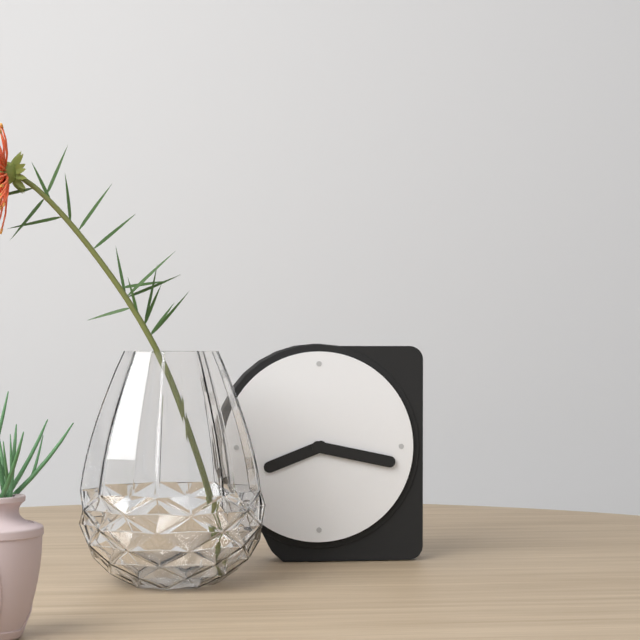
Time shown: {"hour": 8, "minute": 17}
